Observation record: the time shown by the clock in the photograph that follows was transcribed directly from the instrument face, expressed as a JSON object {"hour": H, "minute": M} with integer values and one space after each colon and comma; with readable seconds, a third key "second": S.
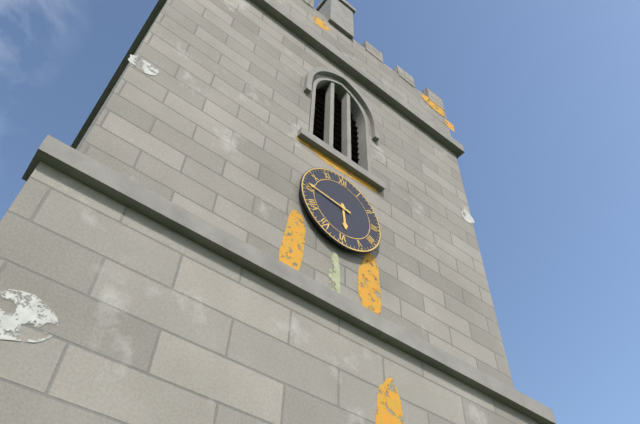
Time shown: {"hour": 5, "minute": 46}
